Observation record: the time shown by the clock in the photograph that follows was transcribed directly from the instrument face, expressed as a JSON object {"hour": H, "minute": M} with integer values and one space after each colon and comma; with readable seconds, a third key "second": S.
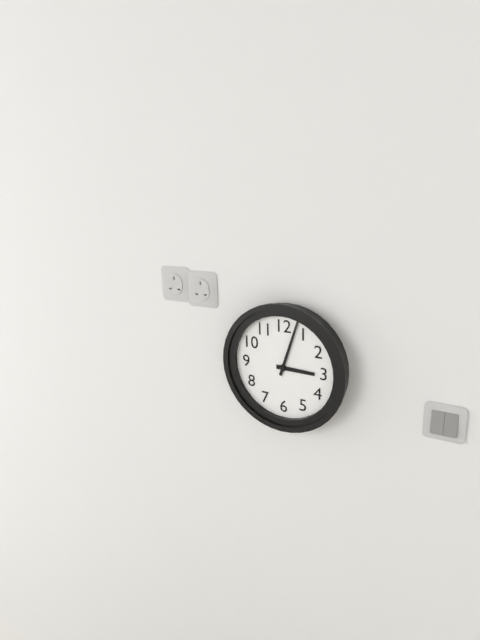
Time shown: {"hour": 3, "minute": 3}
